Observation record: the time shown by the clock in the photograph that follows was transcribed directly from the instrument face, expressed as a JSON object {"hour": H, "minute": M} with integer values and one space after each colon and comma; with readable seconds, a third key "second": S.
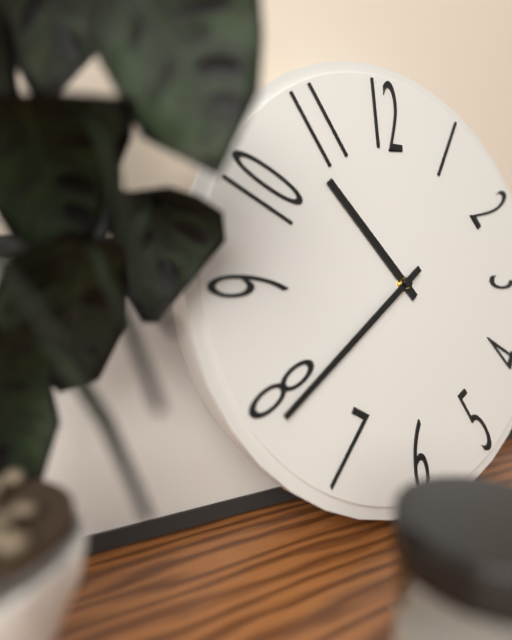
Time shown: {"hour": 10, "minute": 39}
